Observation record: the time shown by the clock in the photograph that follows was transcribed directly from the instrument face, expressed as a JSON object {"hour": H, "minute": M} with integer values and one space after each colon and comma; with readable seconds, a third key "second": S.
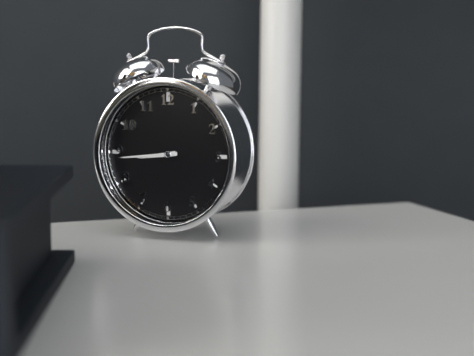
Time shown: {"hour": 8, "minute": 44}
